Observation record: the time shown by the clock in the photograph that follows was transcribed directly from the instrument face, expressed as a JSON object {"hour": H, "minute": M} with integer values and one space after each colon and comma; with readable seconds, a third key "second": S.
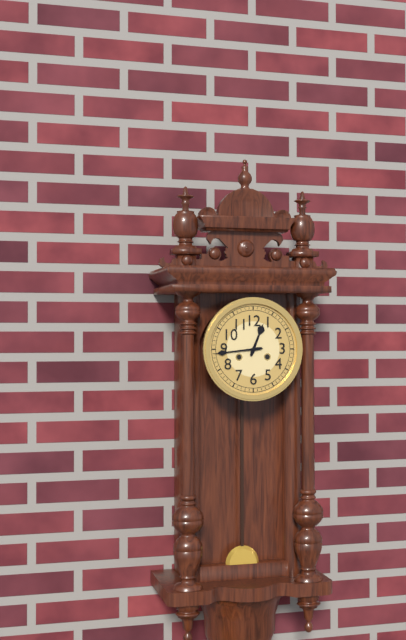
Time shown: {"hour": 12, "minute": 44}
